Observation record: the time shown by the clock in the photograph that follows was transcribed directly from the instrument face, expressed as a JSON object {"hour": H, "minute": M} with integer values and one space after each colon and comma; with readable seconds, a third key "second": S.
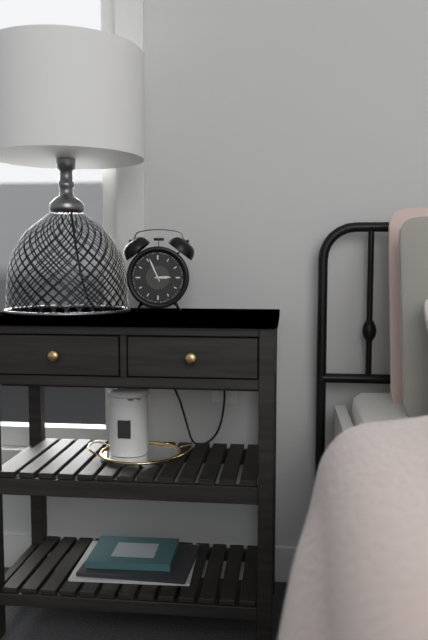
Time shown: {"hour": 2, "minute": 56}
